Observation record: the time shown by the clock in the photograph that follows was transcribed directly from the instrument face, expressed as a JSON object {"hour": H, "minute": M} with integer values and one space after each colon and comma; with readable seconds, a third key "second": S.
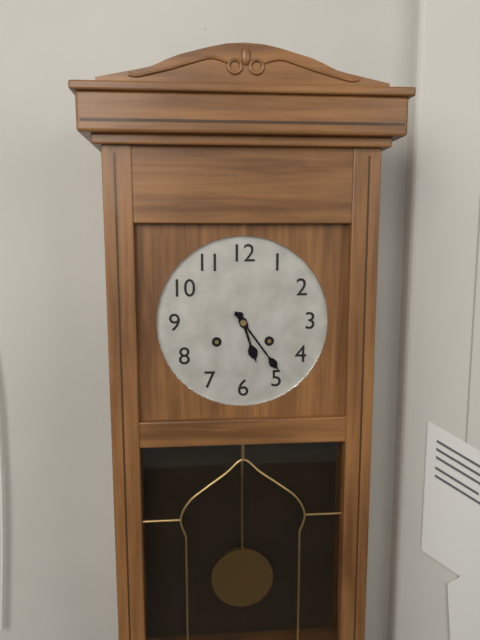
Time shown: {"hour": 5, "minute": 24}
